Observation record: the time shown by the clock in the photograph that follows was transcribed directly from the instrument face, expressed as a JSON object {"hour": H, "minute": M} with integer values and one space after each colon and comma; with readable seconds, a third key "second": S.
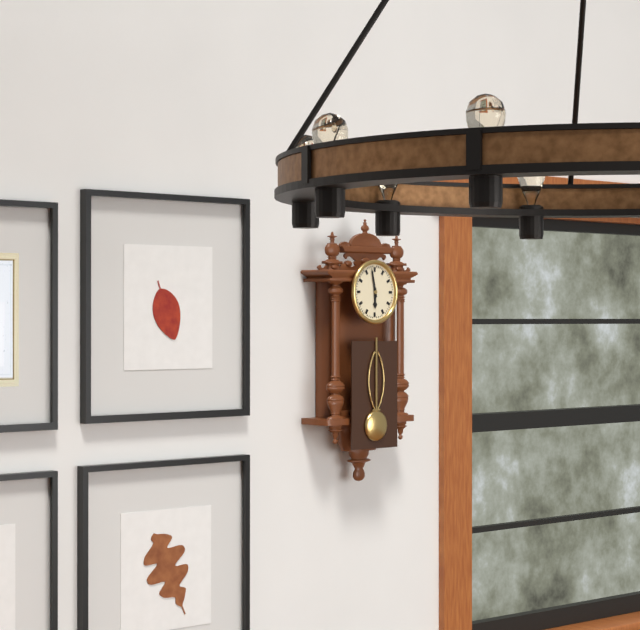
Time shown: {"hour": 5, "minute": 58}
